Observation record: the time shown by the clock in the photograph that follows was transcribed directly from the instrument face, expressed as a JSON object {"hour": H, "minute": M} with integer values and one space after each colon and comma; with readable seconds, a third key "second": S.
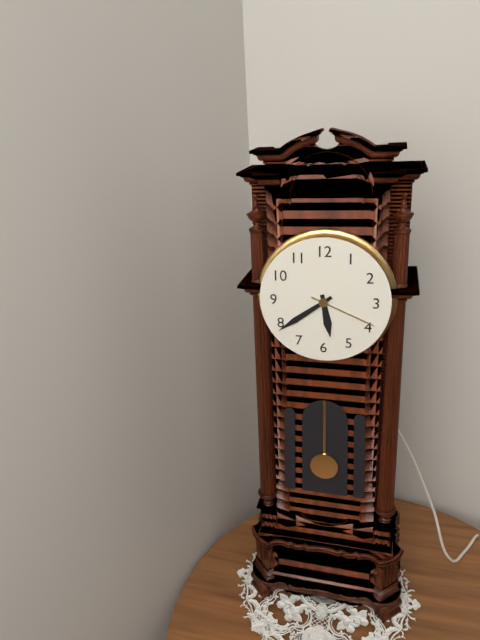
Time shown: {"hour": 5, "minute": 39, "second": 19}
